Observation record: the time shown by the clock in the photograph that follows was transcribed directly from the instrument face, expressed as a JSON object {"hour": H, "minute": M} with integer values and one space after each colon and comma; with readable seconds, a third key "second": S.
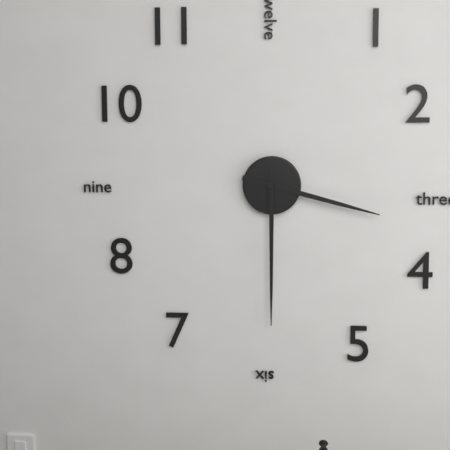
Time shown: {"hour": 3, "minute": 30}
